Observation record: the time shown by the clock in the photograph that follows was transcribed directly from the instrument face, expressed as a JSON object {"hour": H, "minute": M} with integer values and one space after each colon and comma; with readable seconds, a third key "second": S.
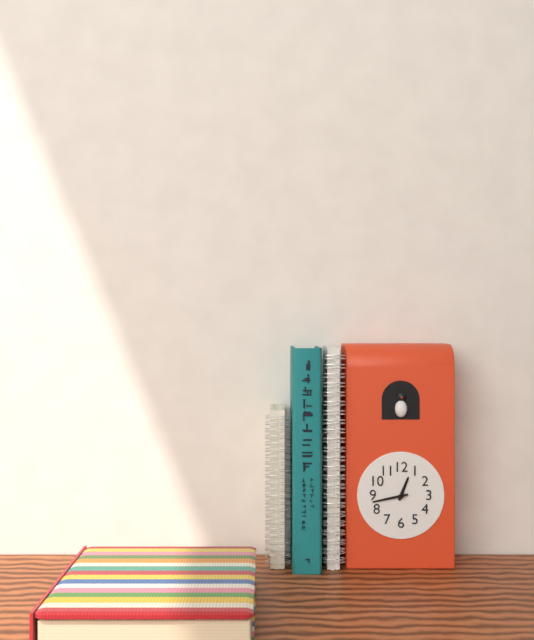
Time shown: {"hour": 12, "minute": 43}
